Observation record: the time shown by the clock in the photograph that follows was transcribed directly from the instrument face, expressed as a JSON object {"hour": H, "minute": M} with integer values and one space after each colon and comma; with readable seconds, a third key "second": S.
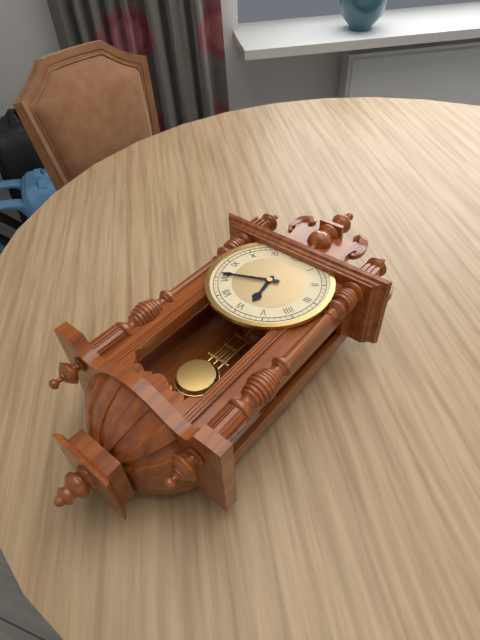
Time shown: {"hour": 5, "minute": 41}
